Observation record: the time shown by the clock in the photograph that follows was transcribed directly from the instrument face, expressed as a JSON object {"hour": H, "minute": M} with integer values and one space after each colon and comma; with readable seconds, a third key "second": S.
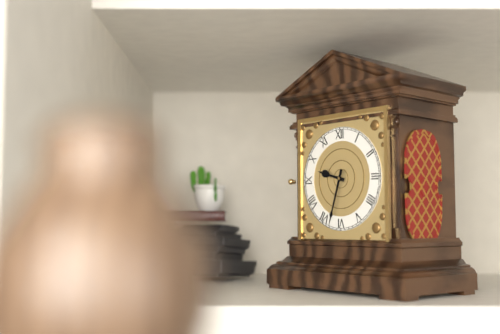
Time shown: {"hour": 9, "minute": 33}
